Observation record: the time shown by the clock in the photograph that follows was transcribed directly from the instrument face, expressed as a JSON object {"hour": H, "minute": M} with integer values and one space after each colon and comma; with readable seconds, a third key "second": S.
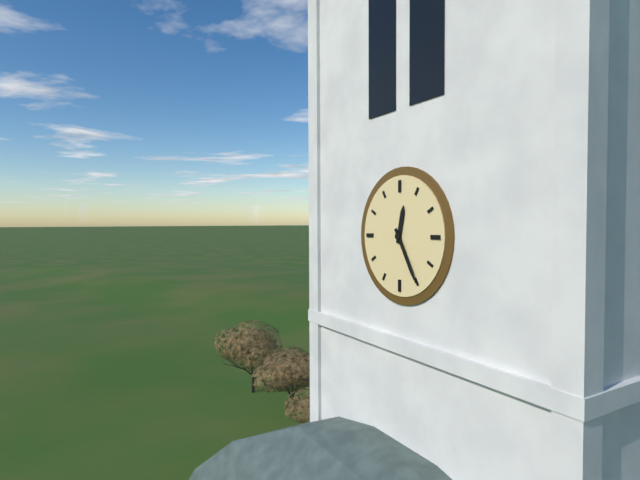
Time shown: {"hour": 12, "minute": 25}
